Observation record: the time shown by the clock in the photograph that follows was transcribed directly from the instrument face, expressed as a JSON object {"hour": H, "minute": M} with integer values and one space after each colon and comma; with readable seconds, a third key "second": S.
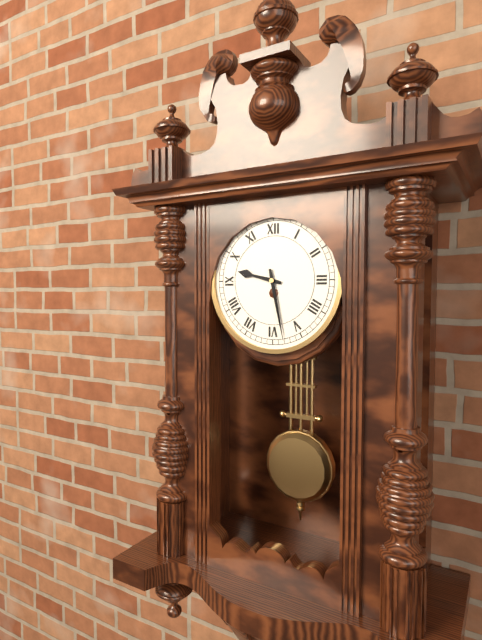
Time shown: {"hour": 9, "minute": 28}
